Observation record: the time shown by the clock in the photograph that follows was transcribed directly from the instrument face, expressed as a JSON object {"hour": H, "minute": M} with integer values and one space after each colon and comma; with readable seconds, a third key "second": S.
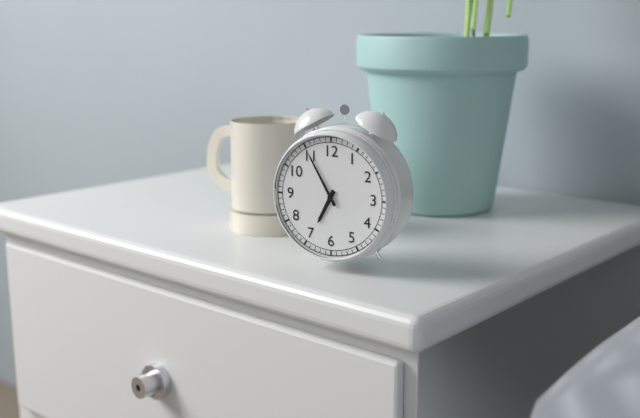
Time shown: {"hour": 6, "minute": 55}
